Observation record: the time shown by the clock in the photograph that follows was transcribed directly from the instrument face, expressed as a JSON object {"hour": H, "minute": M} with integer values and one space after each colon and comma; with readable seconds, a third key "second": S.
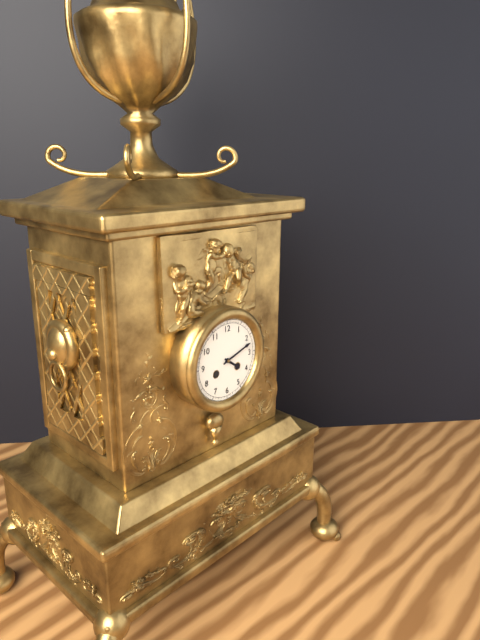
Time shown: {"hour": 4, "minute": 12}
